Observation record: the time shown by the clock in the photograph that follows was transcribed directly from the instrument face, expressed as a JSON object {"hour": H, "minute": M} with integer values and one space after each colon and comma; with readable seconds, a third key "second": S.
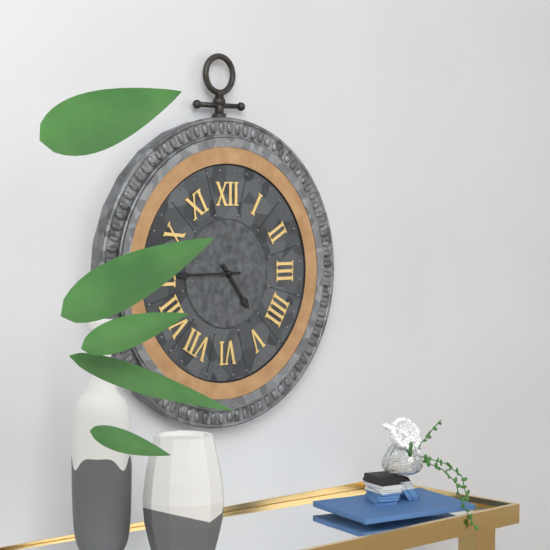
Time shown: {"hour": 4, "minute": 45}
